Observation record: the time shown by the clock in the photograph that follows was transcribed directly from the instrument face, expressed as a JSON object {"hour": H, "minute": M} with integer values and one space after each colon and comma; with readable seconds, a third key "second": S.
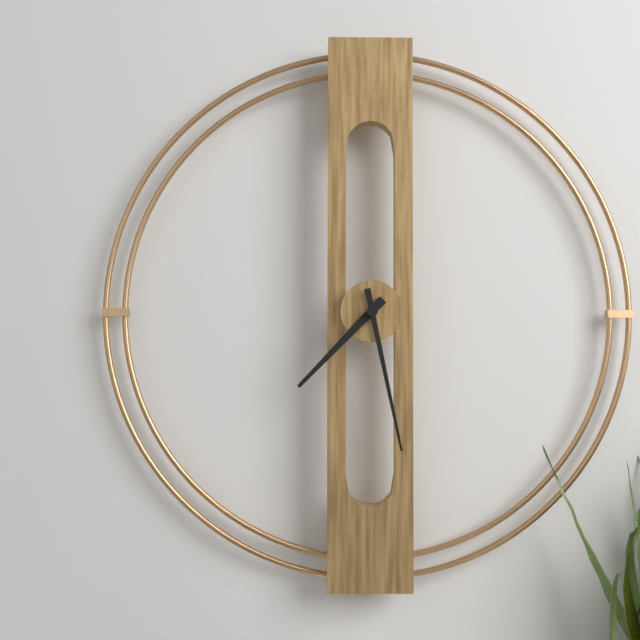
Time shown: {"hour": 7, "minute": 28}
